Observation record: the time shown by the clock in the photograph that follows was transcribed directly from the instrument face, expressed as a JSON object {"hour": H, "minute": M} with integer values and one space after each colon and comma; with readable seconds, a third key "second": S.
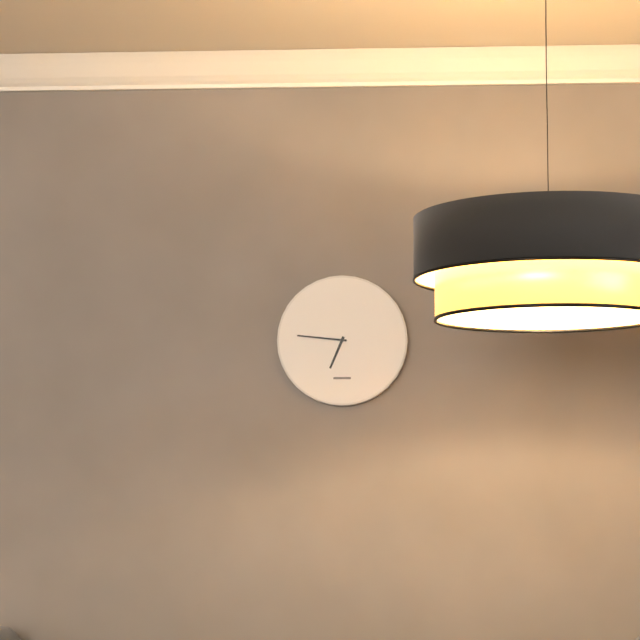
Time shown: {"hour": 6, "minute": 46}
